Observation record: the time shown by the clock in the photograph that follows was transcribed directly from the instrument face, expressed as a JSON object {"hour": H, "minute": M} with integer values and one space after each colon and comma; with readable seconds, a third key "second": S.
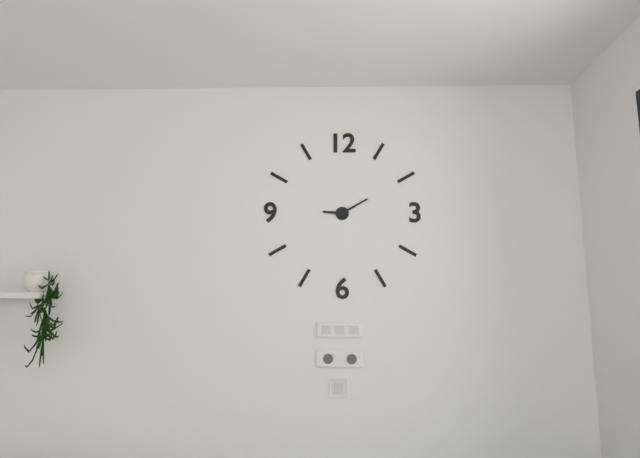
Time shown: {"hour": 9, "minute": 10}
